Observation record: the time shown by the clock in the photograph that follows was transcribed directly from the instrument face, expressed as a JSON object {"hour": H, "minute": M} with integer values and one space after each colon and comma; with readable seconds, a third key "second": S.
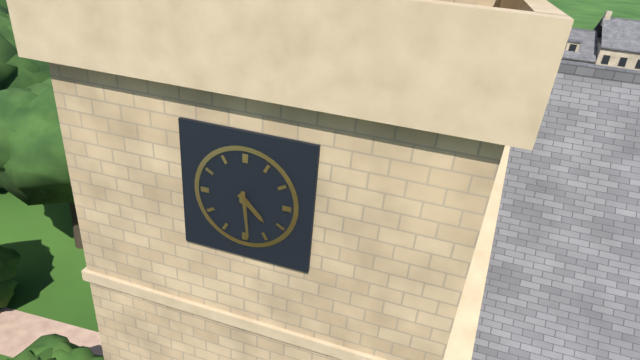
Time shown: {"hour": 4, "minute": 29}
